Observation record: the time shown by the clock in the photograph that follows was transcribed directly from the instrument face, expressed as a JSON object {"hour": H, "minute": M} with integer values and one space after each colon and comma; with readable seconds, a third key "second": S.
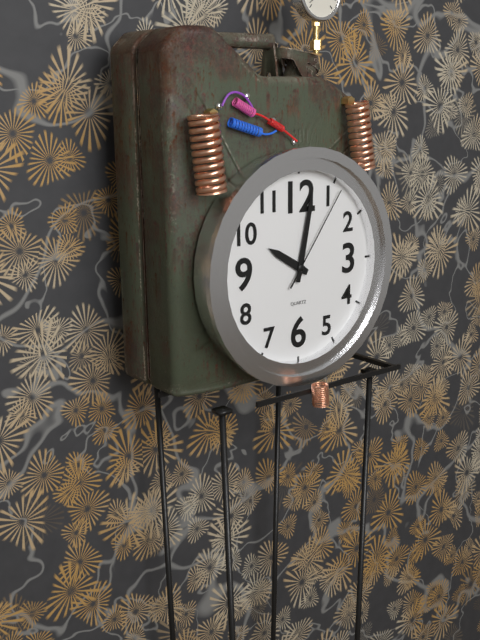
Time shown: {"hour": 10, "minute": 2, "second": 6}
